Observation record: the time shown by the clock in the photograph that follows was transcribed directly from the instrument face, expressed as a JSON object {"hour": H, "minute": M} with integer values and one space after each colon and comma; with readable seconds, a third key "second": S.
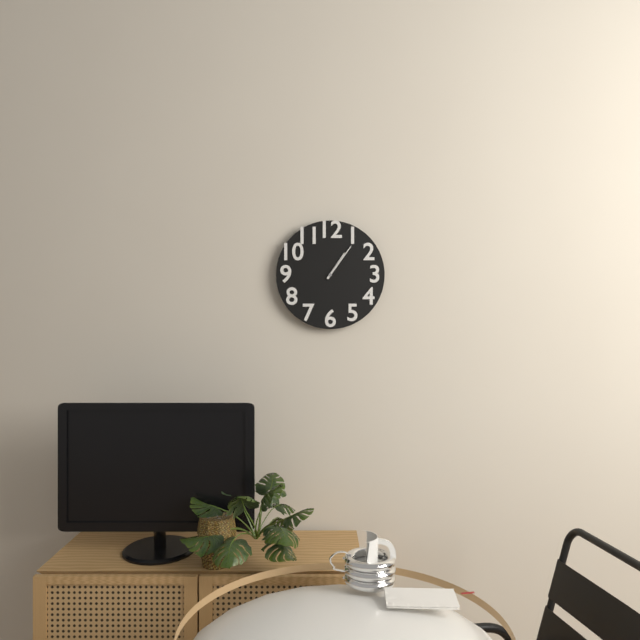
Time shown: {"hour": 1, "minute": 6}
